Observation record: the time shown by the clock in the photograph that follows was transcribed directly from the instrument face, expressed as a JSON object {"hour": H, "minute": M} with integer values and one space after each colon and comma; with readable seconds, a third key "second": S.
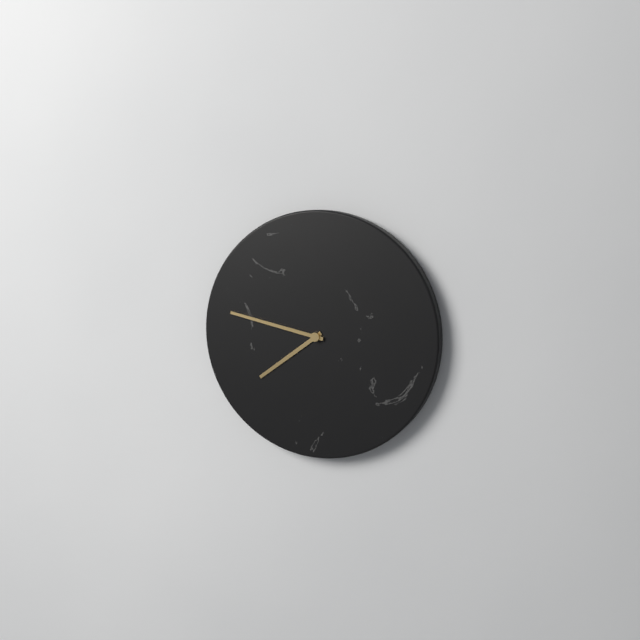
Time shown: {"hour": 7, "minute": 47}
